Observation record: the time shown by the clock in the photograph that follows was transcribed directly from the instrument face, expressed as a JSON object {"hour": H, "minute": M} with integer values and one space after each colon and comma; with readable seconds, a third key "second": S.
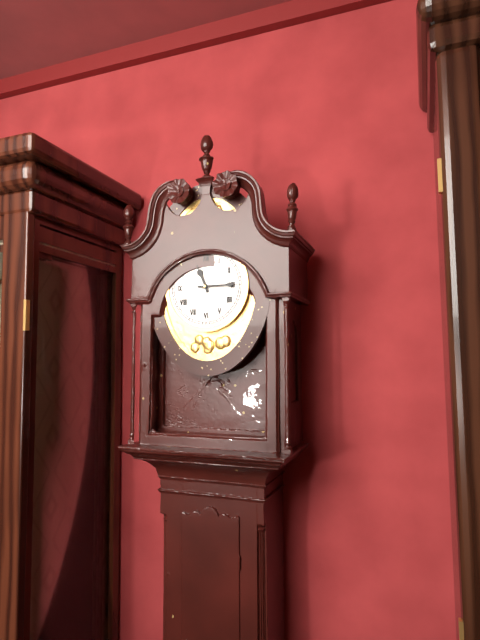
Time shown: {"hour": 11, "minute": 15}
